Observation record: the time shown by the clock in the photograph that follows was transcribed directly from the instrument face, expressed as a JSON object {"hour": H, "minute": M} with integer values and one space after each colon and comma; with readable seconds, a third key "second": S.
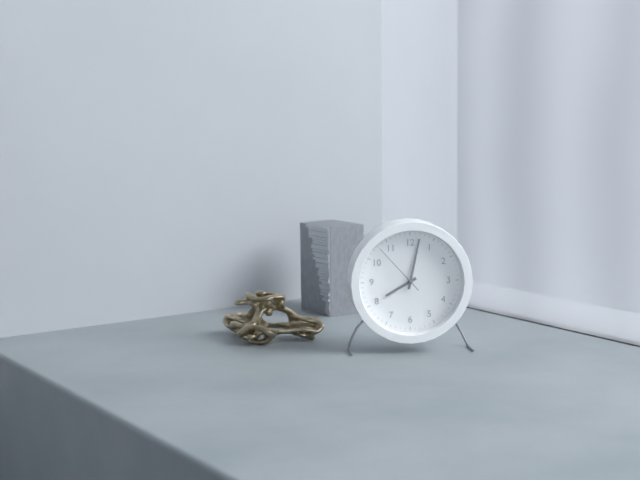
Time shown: {"hour": 8, "minute": 2, "second": 53}
